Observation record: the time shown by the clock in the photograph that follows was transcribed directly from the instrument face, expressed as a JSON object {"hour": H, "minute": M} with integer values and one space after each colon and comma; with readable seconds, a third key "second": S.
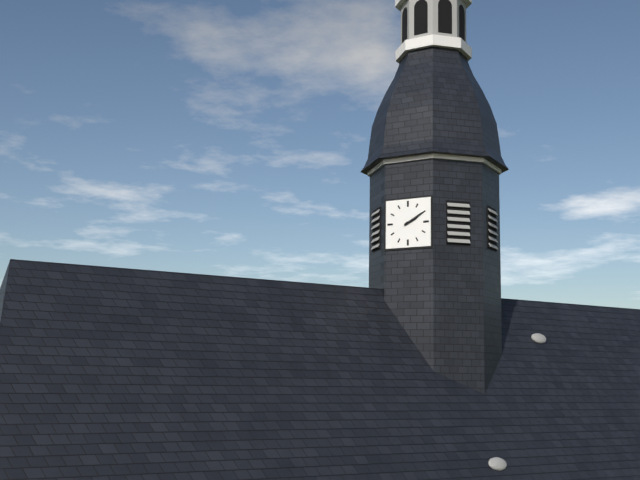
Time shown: {"hour": 2, "minute": 10}
